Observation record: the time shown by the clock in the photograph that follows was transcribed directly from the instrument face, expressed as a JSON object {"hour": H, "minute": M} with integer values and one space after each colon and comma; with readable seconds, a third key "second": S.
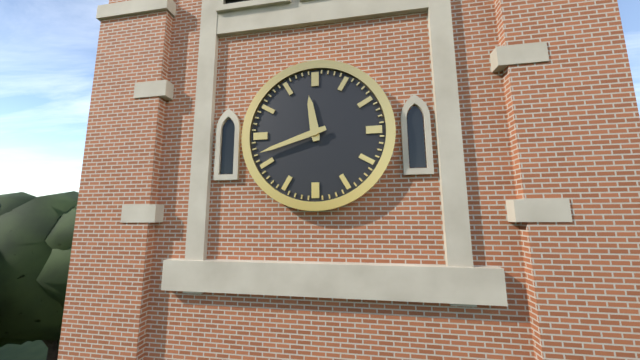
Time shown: {"hour": 11, "minute": 42}
